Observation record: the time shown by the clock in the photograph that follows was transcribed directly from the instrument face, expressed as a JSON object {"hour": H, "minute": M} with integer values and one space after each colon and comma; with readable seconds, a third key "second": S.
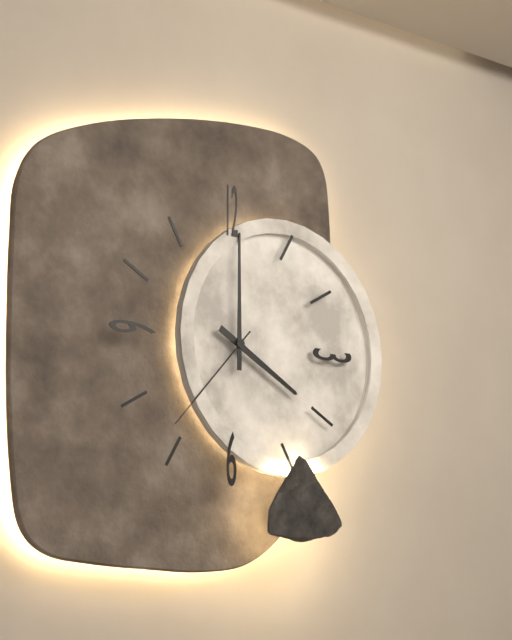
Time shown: {"hour": 4, "minute": 0, "second": 37}
